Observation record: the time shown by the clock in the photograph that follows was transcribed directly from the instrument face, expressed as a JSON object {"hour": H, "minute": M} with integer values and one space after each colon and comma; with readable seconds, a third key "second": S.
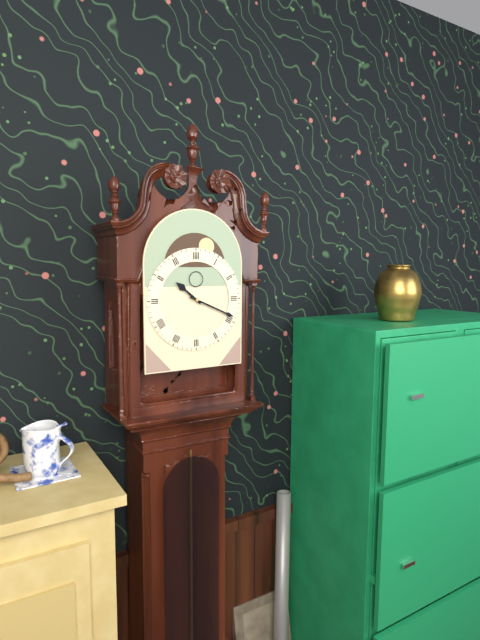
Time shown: {"hour": 10, "minute": 19}
